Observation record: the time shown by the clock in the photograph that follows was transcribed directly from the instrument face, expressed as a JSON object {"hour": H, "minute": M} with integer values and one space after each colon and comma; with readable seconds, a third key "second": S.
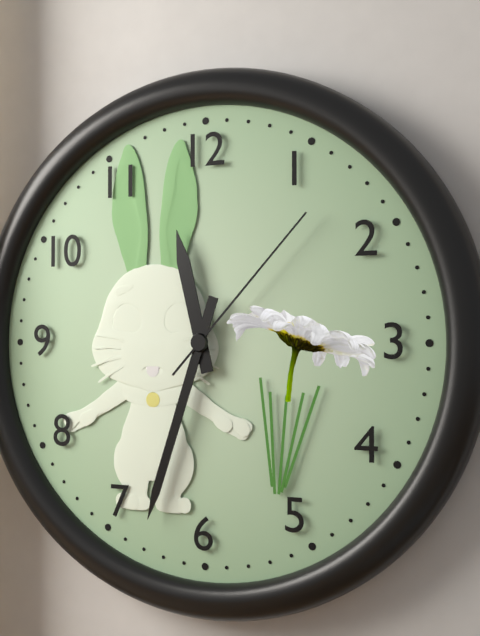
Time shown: {"hour": 11, "minute": 33, "second": 7}
